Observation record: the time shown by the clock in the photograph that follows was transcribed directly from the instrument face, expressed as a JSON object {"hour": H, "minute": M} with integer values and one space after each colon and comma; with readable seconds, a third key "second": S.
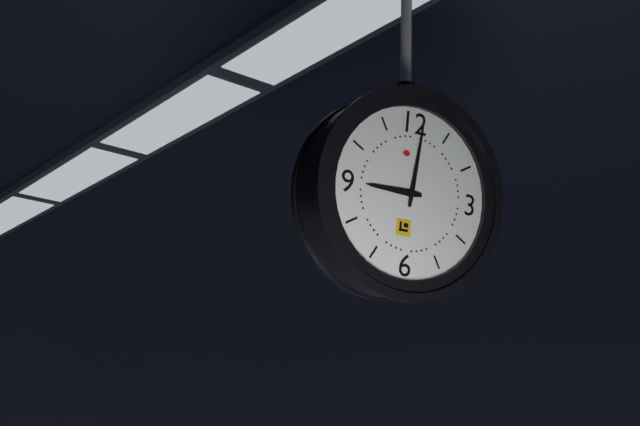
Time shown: {"hour": 9, "minute": 1}
